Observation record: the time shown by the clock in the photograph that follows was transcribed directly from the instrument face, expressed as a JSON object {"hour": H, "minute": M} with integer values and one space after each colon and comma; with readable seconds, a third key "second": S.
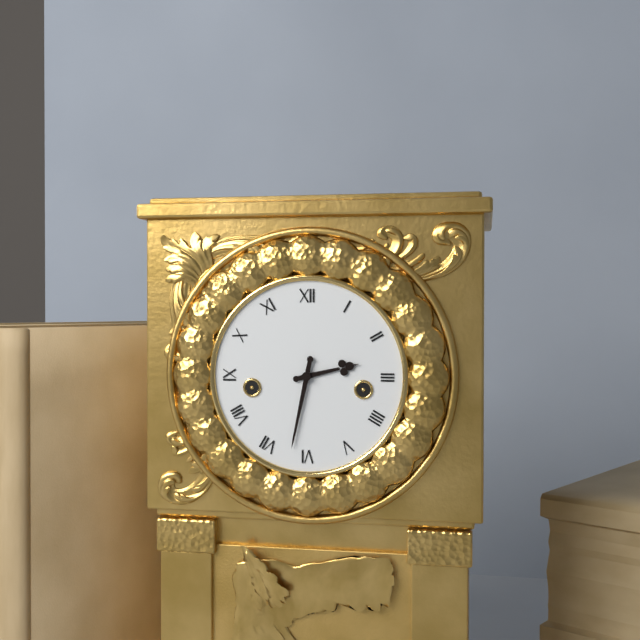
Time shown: {"hour": 2, "minute": 32}
